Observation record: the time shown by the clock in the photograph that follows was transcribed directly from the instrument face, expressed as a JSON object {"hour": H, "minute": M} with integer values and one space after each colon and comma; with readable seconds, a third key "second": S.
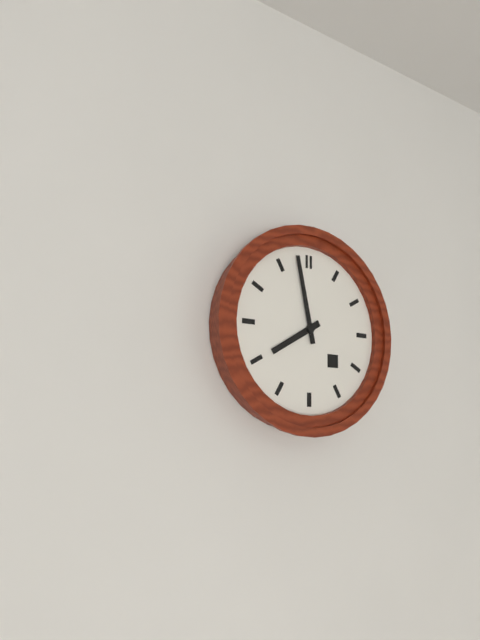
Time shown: {"hour": 7, "minute": 58}
